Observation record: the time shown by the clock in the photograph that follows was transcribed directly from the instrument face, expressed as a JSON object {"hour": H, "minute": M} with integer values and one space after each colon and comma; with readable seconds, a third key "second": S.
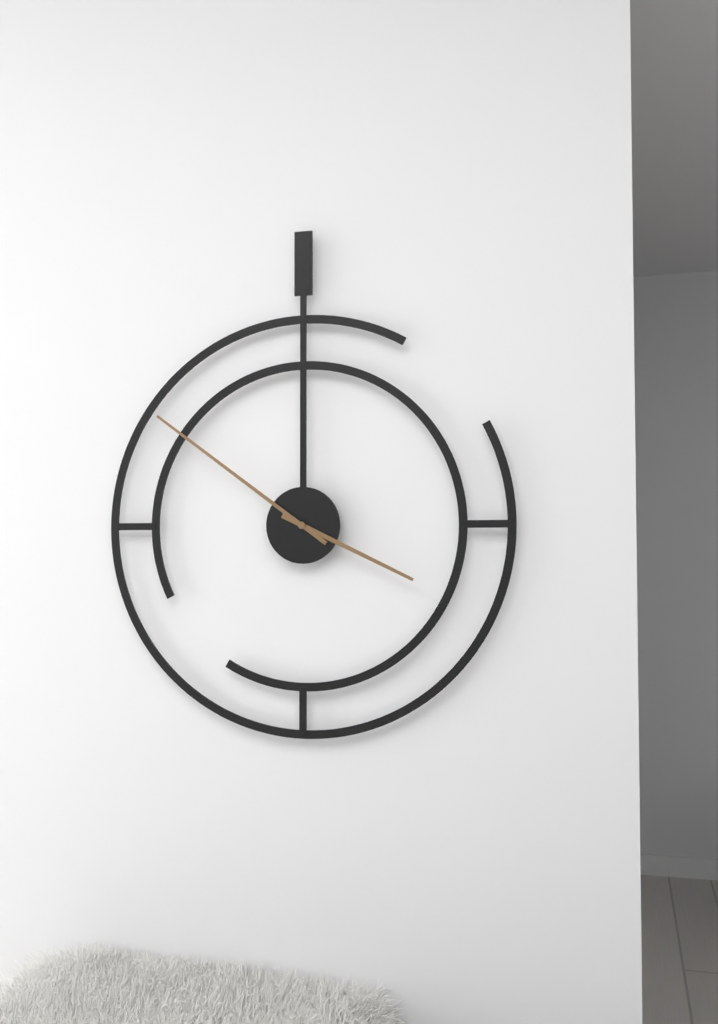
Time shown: {"hour": 3, "minute": 51}
